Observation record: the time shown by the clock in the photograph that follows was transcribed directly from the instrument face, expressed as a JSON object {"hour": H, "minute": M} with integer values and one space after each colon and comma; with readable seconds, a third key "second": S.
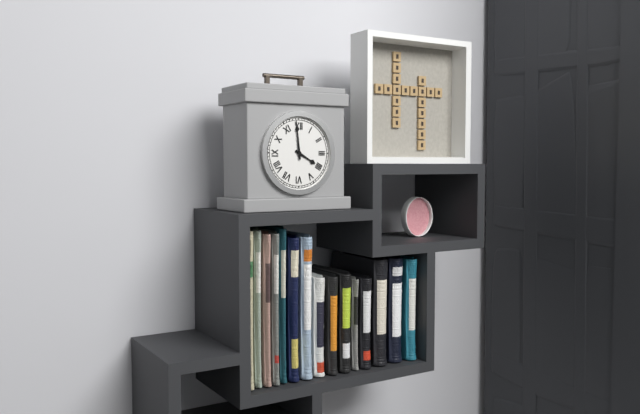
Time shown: {"hour": 3, "minute": 59}
